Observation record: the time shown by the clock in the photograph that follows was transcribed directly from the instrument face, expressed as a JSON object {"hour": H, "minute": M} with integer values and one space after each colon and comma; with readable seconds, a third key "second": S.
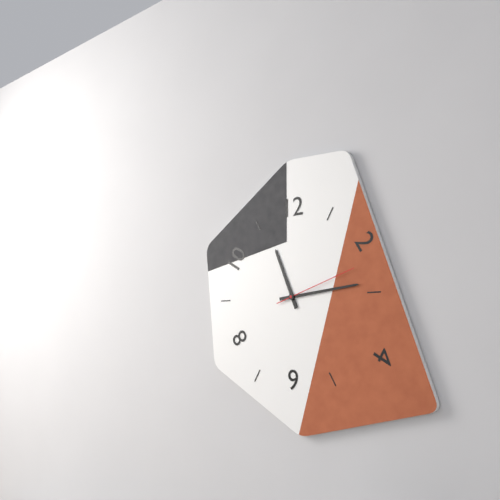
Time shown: {"hour": 11, "minute": 14, "second": 12}
